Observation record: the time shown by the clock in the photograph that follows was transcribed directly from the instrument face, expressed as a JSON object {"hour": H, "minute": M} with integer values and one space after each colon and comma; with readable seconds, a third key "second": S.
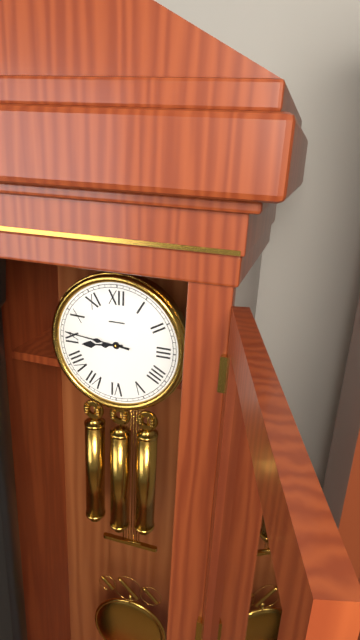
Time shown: {"hour": 8, "minute": 46}
